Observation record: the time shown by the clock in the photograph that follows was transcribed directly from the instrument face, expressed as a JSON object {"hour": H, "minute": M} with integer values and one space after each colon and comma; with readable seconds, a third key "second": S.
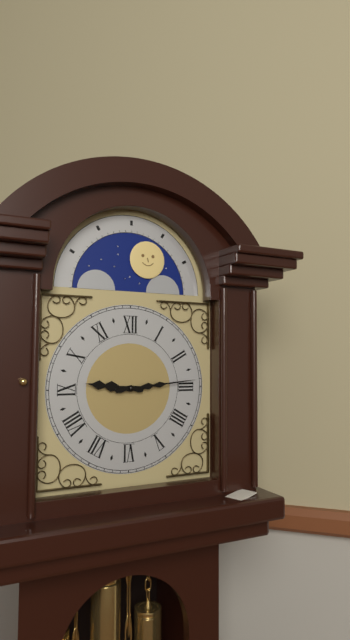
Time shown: {"hour": 9, "minute": 14}
